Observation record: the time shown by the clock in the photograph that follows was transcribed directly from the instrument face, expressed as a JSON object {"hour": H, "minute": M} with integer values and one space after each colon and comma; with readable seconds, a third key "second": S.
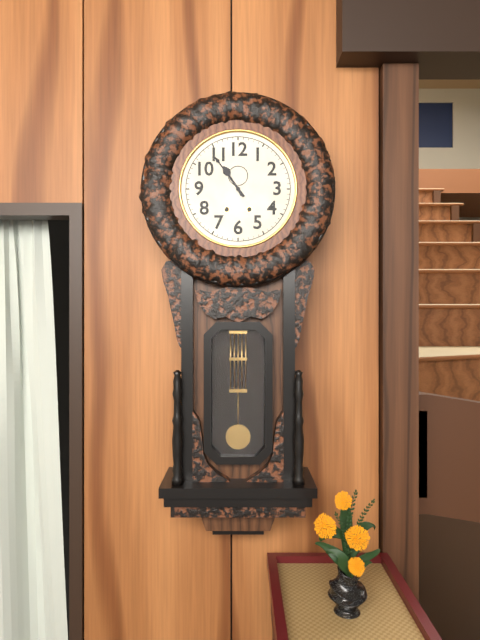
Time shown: {"hour": 10, "minute": 54}
